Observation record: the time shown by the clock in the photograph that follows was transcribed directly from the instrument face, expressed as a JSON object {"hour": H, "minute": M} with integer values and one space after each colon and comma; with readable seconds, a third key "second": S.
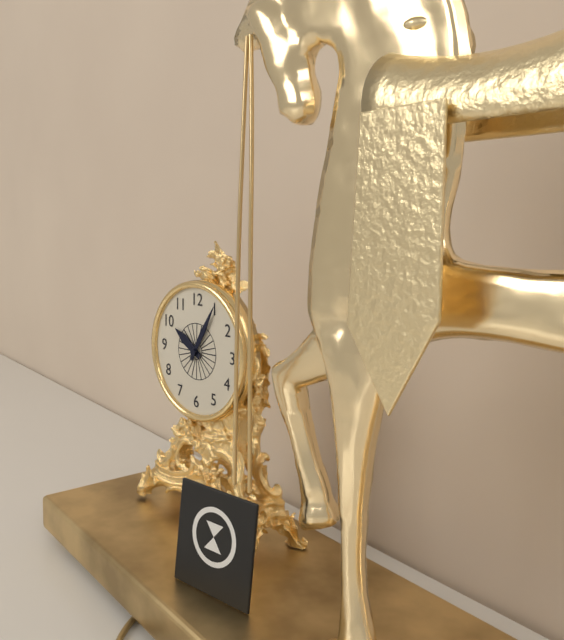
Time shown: {"hour": 10, "minute": 5}
